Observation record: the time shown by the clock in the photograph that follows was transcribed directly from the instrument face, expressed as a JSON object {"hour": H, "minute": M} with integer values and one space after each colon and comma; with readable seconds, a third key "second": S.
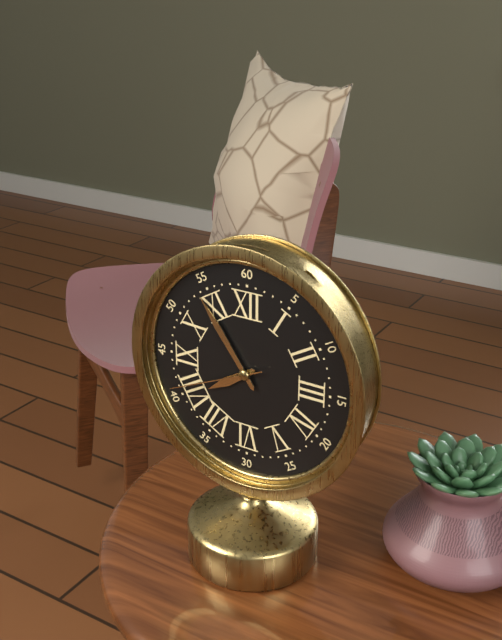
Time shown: {"hour": 7, "minute": 54, "second": 41}
